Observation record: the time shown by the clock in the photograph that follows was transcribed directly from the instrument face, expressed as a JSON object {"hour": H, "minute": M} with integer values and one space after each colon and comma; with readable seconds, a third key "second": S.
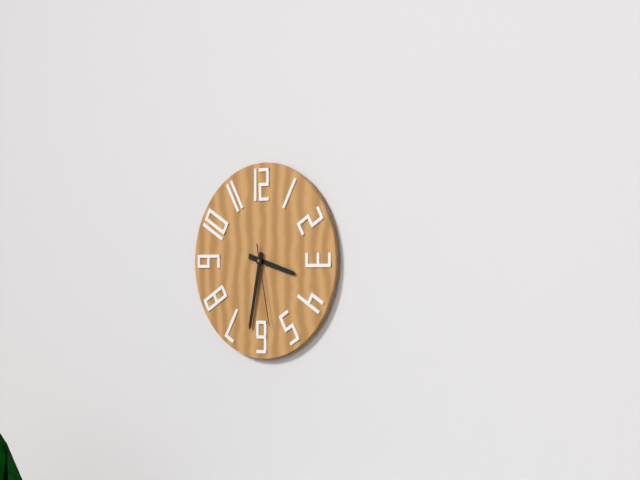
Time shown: {"hour": 3, "minute": 32, "second": 28}
